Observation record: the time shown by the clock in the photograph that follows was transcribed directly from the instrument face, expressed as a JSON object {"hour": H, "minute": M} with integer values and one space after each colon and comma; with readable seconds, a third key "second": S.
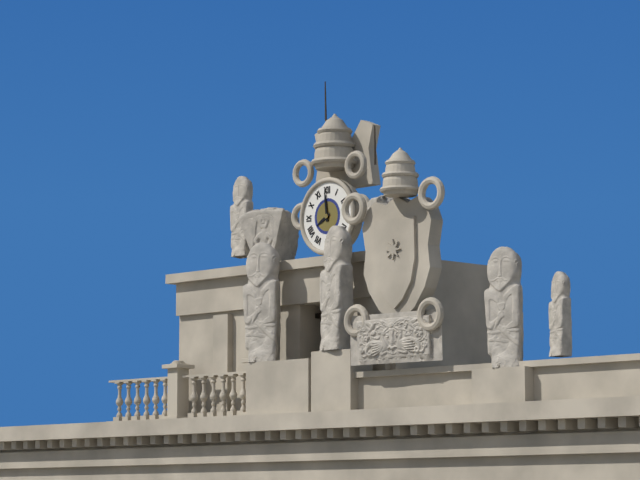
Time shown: {"hour": 7, "minute": 59}
